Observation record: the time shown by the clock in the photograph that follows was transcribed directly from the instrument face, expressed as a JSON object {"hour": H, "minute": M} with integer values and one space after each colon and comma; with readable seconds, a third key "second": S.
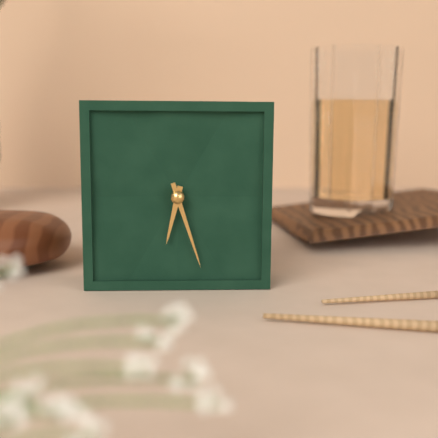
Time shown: {"hour": 6, "minute": 27}
